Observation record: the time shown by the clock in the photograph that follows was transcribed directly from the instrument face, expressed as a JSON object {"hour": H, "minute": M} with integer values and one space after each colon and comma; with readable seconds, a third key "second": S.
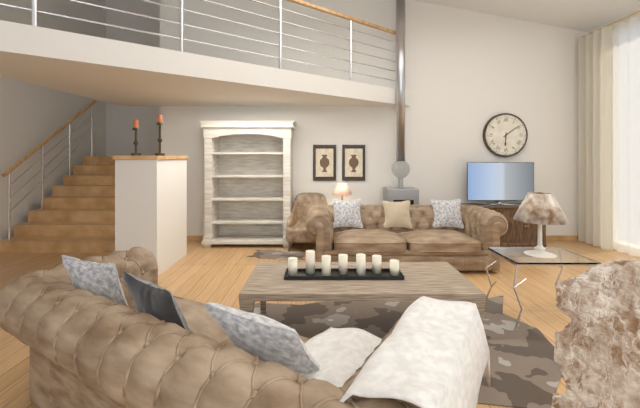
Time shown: {"hour": 6, "minute": 9}
